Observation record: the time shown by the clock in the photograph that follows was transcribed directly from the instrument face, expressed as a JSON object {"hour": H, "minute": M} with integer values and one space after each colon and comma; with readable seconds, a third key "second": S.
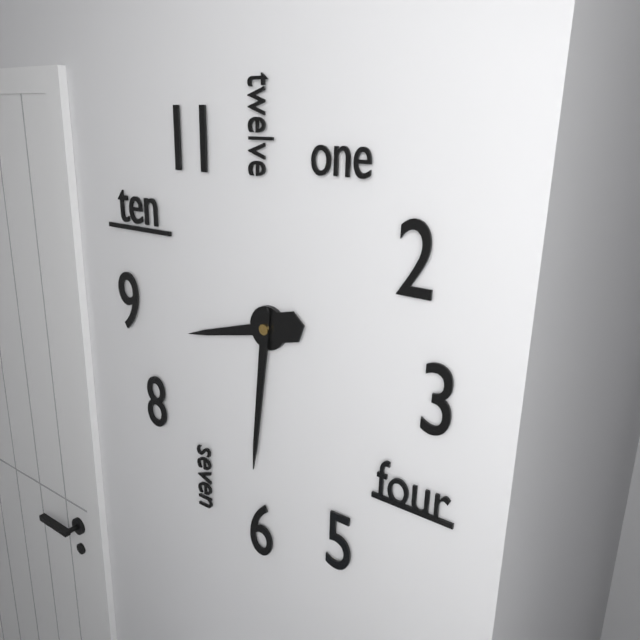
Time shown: {"hour": 8, "minute": 31}
